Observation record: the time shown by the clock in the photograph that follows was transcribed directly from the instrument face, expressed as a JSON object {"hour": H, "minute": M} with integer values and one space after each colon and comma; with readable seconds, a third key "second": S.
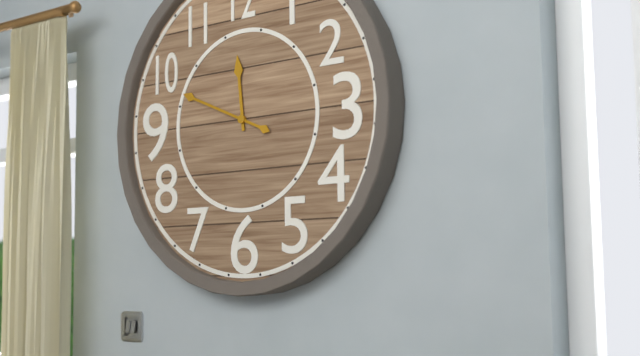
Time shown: {"hour": 11, "minute": 49}
